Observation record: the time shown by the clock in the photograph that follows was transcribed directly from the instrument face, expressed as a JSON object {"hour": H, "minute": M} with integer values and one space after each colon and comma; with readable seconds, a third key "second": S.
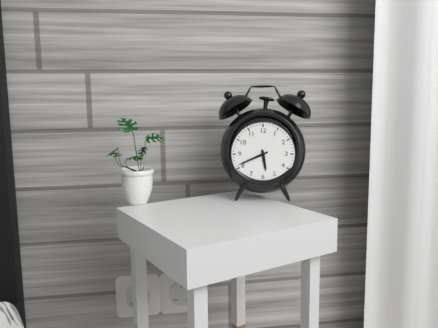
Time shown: {"hour": 5, "minute": 41}
